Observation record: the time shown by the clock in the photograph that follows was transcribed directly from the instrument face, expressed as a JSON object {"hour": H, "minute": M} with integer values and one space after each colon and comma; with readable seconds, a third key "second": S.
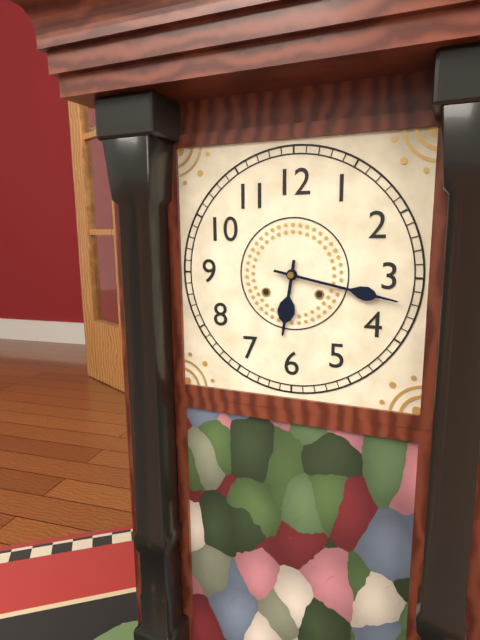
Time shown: {"hour": 6, "minute": 17}
